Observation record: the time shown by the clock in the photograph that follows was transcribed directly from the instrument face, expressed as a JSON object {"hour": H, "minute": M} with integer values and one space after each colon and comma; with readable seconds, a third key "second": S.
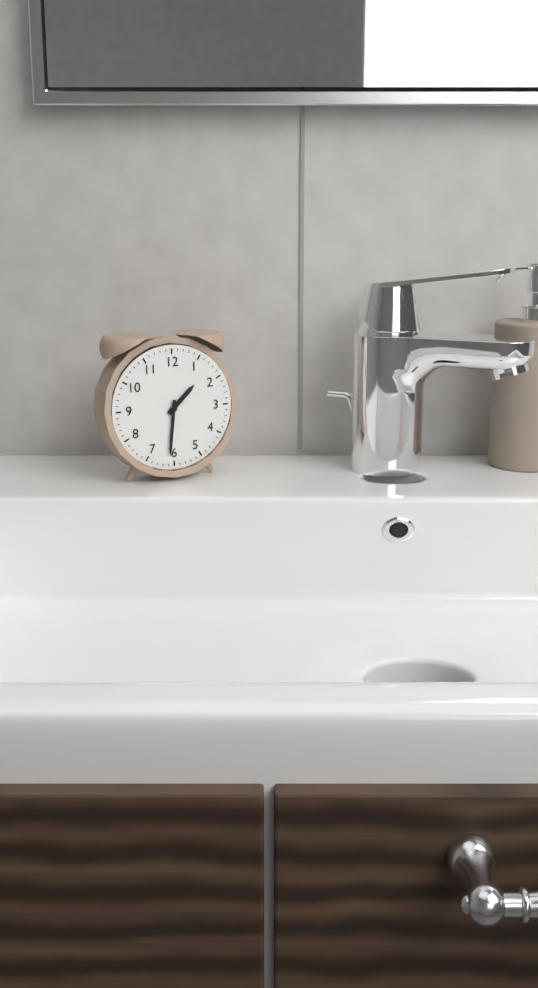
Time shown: {"hour": 1, "minute": 31}
